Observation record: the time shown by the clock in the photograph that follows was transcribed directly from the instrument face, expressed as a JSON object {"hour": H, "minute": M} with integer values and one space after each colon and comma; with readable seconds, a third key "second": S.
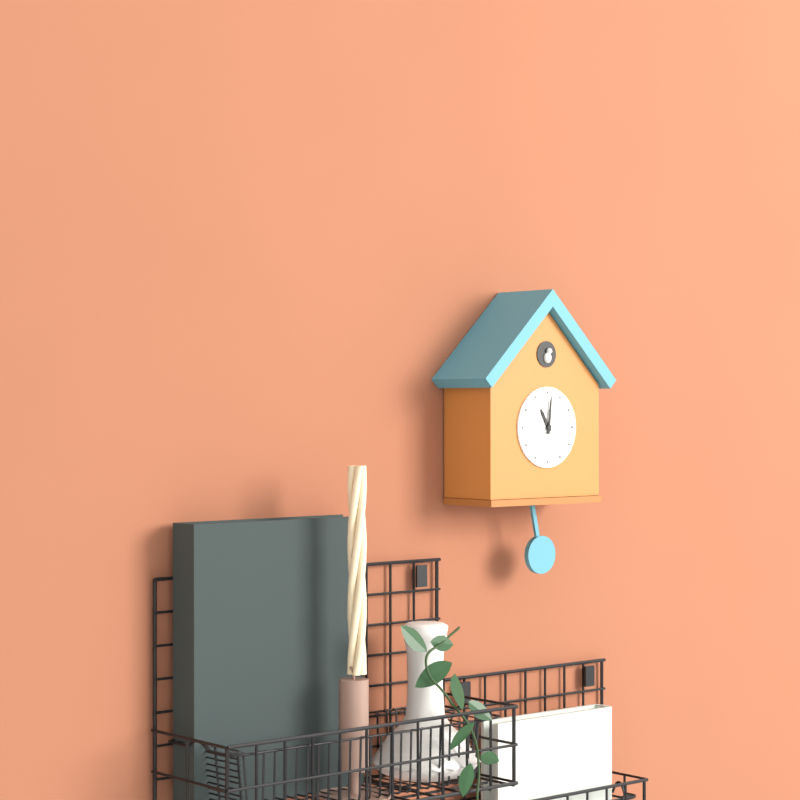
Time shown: {"hour": 11, "minute": 1}
